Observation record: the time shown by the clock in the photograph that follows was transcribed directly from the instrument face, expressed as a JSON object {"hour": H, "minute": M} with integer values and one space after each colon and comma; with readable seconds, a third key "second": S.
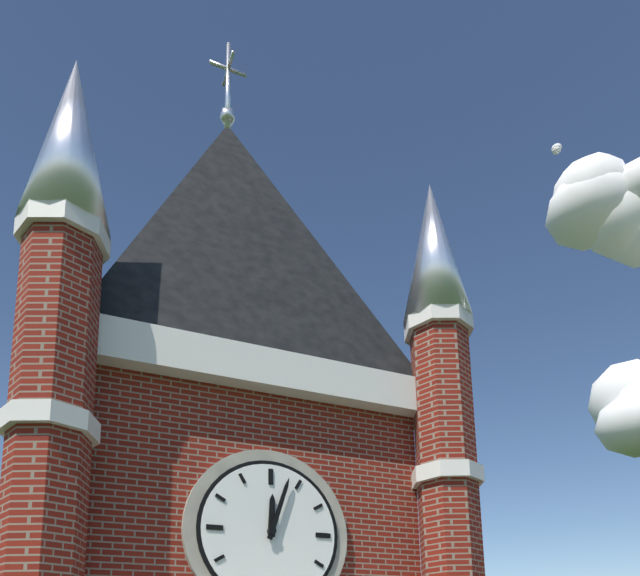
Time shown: {"hour": 12, "minute": 3}
